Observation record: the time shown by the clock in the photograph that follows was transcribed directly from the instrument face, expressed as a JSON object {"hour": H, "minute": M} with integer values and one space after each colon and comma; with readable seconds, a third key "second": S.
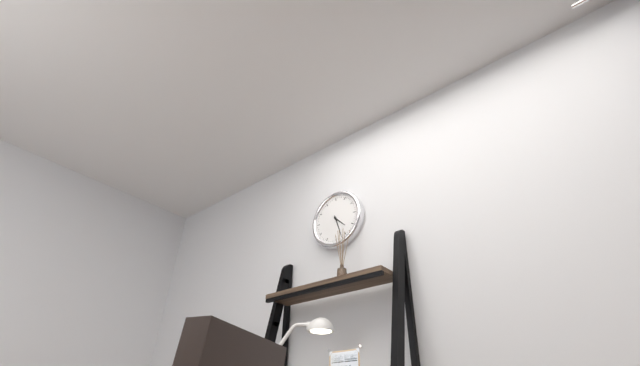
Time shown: {"hour": 4, "minute": 27}
